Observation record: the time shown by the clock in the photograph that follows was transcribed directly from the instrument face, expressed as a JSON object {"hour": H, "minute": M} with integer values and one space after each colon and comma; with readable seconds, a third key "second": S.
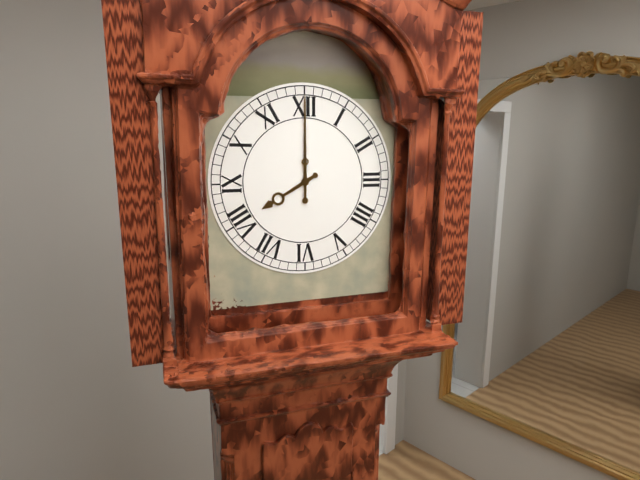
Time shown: {"hour": 8, "minute": 0}
